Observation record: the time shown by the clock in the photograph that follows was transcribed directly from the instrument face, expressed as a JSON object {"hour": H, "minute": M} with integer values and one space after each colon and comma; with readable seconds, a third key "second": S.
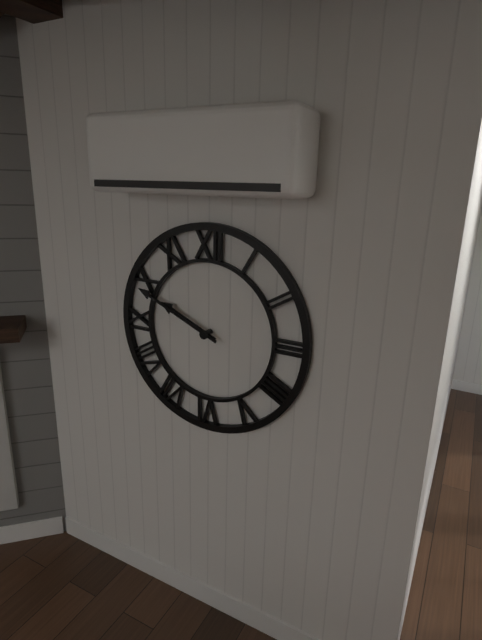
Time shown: {"hour": 9, "minute": 49}
